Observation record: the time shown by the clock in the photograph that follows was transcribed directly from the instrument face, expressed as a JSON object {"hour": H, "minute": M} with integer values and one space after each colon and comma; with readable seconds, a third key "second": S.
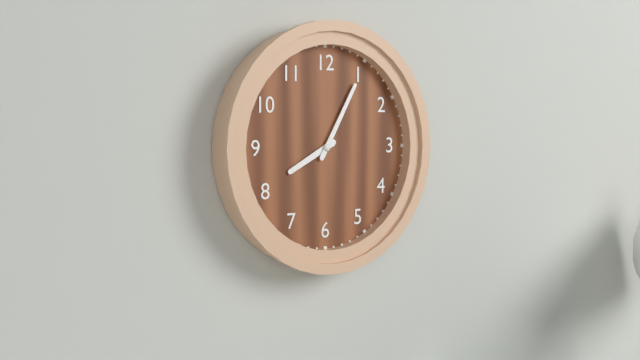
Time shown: {"hour": 8, "minute": 5}
